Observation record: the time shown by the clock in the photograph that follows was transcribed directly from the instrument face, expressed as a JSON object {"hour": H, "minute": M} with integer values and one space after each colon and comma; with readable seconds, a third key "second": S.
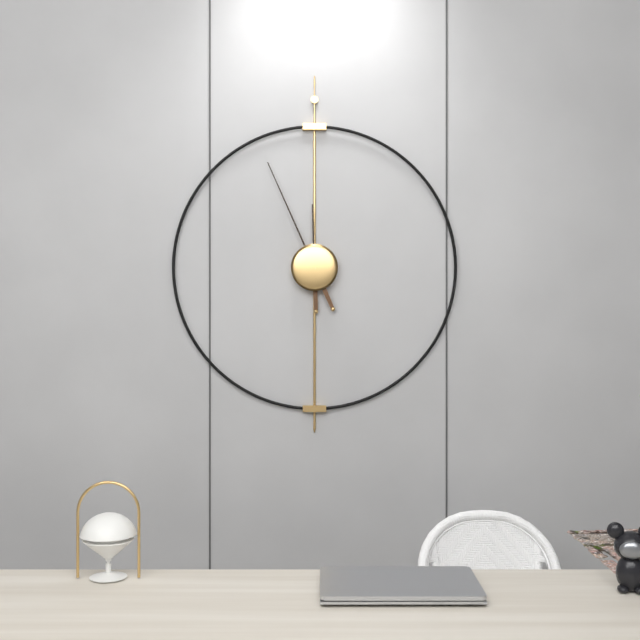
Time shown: {"hour": 11, "minute": 56}
